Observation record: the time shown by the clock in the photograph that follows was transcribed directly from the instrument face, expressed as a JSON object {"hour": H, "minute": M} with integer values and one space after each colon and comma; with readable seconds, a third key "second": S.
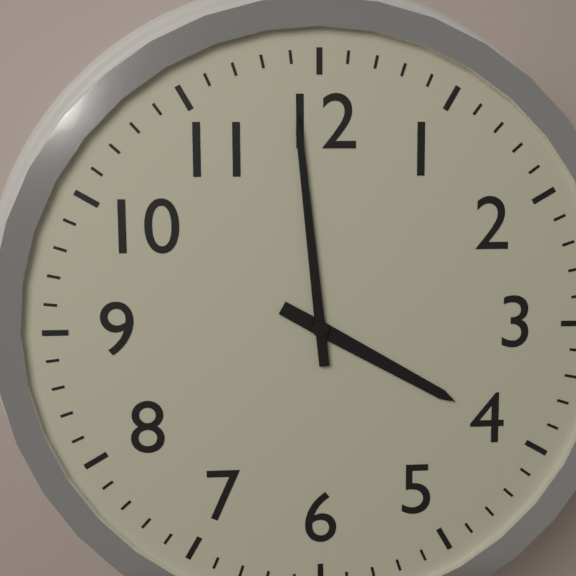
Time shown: {"hour": 3, "minute": 59}
